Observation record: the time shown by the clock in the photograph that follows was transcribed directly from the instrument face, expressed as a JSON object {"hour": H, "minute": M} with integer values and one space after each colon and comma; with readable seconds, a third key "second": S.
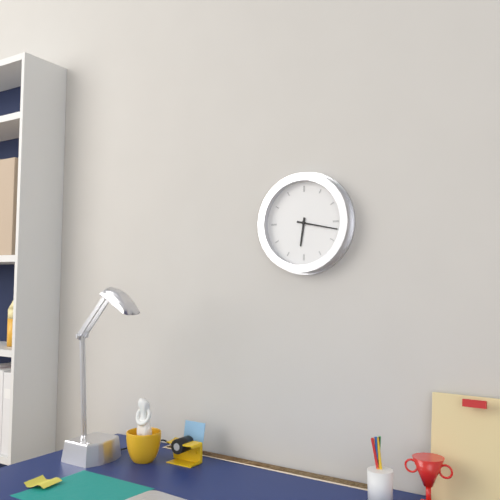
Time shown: {"hour": 6, "minute": 17}
